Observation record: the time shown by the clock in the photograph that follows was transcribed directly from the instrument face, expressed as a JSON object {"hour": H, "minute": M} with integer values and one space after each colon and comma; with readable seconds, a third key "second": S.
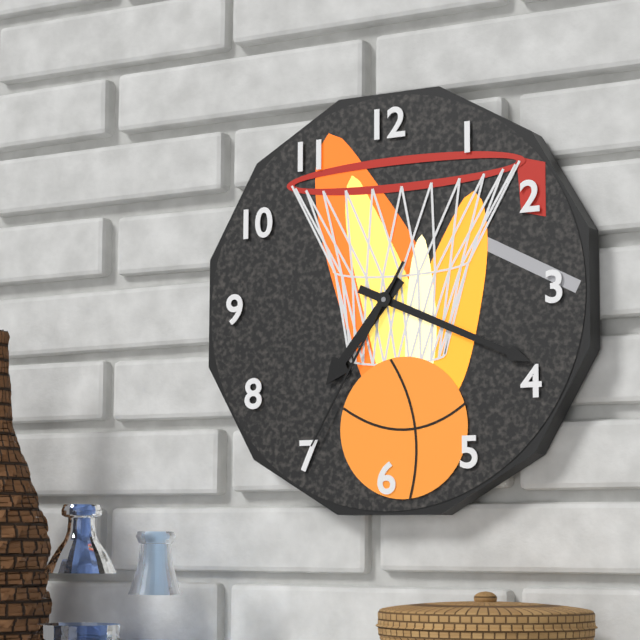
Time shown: {"hour": 7, "minute": 19, "second": 35}
